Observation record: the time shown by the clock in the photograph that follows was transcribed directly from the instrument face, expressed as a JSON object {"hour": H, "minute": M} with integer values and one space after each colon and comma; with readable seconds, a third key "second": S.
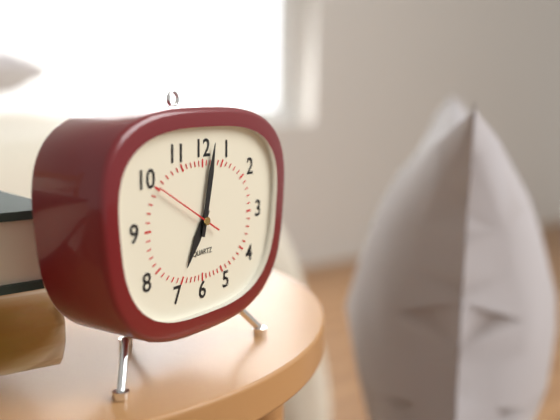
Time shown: {"hour": 7, "minute": 2, "second": 50}
